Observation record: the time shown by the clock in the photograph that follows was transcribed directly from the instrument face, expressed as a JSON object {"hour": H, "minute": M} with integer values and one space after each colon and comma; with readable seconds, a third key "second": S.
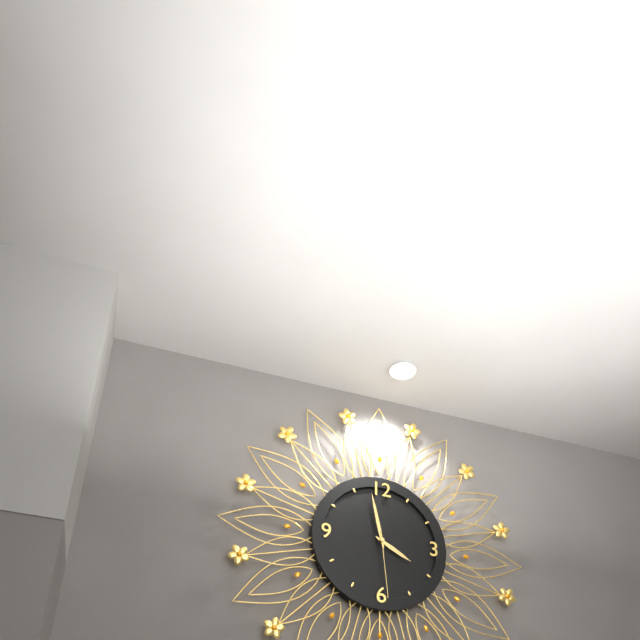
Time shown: {"hour": 3, "minute": 58, "second": 29}
